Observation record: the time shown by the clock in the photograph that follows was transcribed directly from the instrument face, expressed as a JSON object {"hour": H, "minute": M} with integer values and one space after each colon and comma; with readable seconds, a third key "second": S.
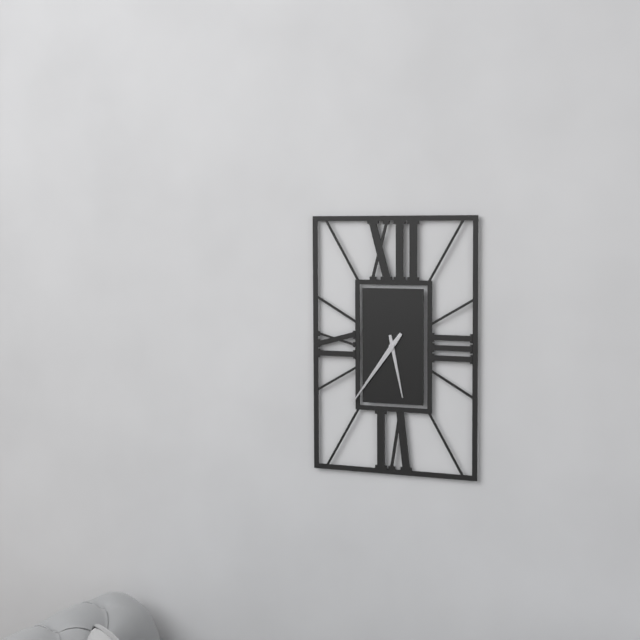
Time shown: {"hour": 5, "minute": 36}
